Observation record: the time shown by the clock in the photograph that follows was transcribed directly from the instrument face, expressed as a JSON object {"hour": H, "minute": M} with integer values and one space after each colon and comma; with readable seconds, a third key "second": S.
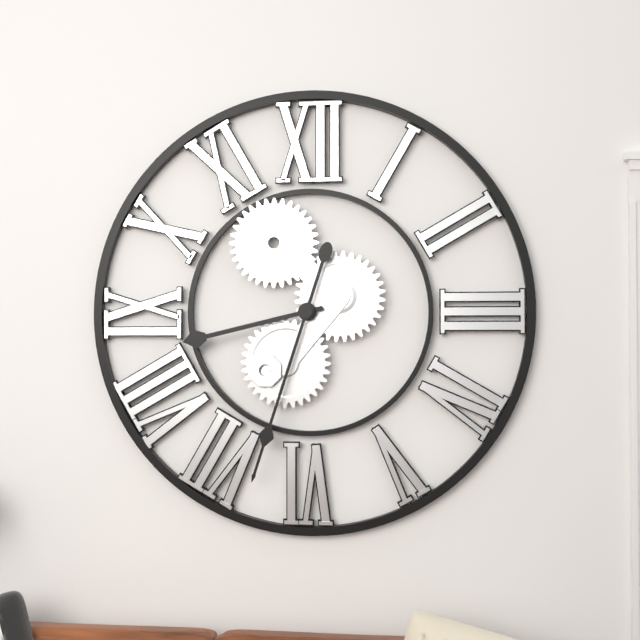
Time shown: {"hour": 8, "minute": 33}
